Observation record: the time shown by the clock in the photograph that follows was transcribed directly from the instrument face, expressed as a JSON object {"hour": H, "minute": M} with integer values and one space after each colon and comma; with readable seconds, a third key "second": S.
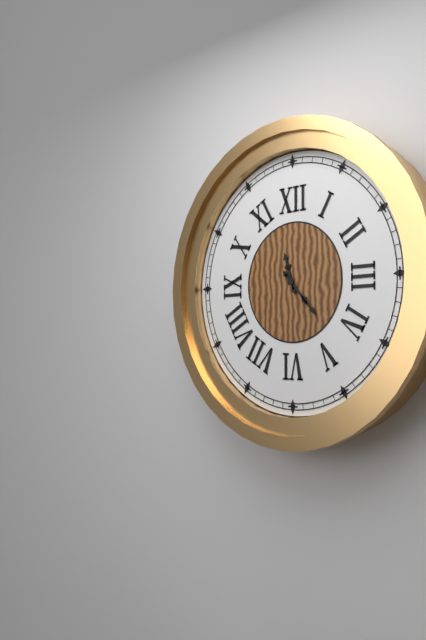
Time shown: {"hour": 11, "minute": 23}
